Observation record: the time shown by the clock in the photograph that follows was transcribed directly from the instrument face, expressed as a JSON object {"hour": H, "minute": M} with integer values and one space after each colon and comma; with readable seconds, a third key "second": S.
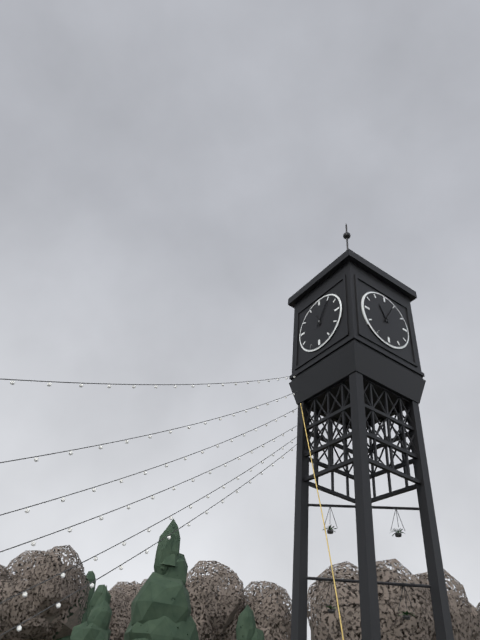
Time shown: {"hour": 11, "minute": 5}
